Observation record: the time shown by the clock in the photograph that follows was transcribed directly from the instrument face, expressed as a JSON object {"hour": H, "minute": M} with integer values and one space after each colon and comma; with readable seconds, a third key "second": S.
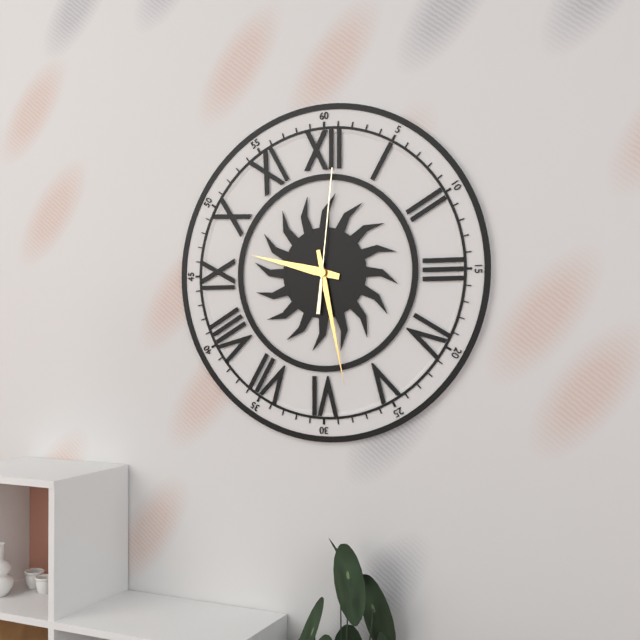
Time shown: {"hour": 9, "minute": 28, "second": 1}
